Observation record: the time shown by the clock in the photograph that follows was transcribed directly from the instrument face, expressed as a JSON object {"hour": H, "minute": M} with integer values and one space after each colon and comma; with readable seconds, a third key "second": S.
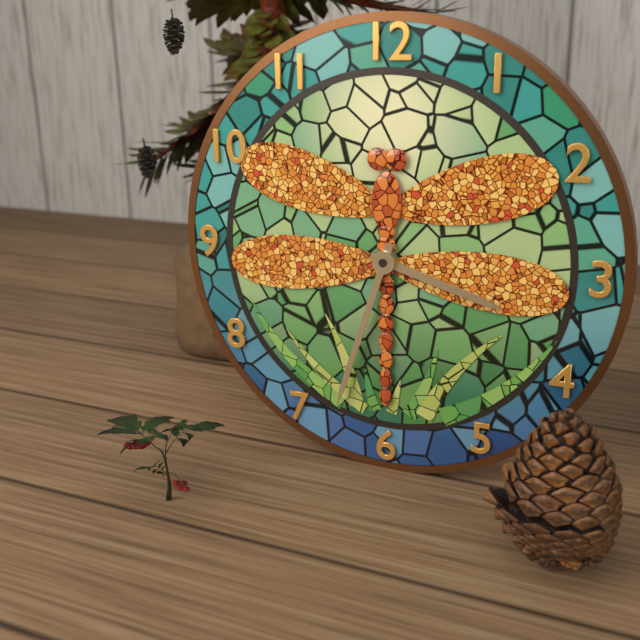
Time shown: {"hour": 3, "minute": 33}
